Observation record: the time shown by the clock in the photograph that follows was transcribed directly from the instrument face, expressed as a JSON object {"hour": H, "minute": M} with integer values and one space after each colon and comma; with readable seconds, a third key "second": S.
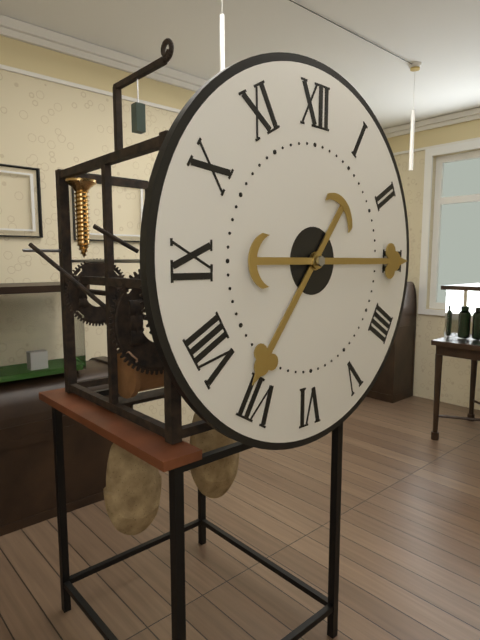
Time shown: {"hour": 7, "minute": 15}
